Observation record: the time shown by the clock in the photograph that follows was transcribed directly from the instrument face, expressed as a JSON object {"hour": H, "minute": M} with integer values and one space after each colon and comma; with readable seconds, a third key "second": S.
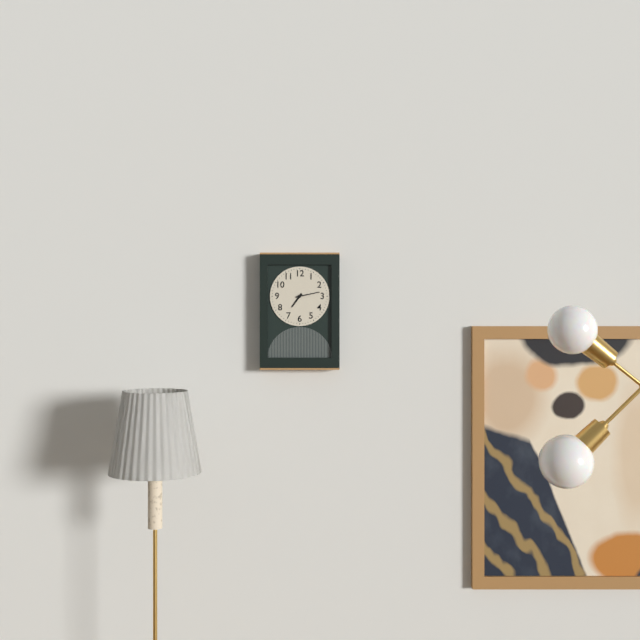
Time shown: {"hour": 7, "minute": 13}
